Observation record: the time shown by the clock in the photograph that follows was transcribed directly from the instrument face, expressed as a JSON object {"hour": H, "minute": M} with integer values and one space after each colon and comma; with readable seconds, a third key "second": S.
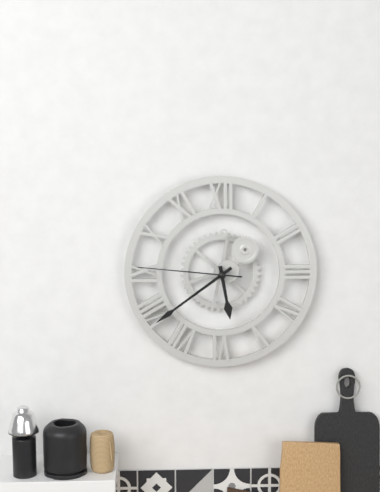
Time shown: {"hour": 5, "minute": 39, "second": 46}
